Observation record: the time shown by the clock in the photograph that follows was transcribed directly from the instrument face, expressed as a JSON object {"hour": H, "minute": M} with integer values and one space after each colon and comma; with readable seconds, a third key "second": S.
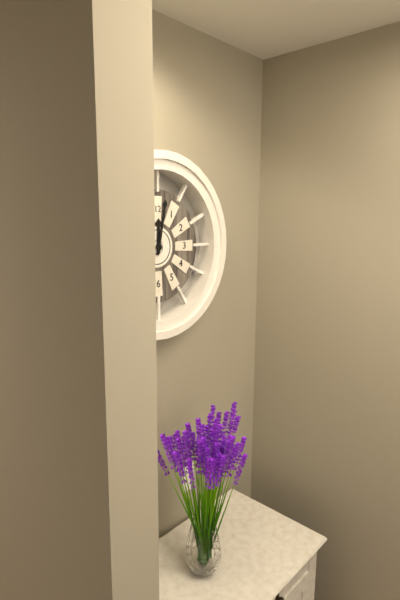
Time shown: {"hour": 12, "minute": 2}
